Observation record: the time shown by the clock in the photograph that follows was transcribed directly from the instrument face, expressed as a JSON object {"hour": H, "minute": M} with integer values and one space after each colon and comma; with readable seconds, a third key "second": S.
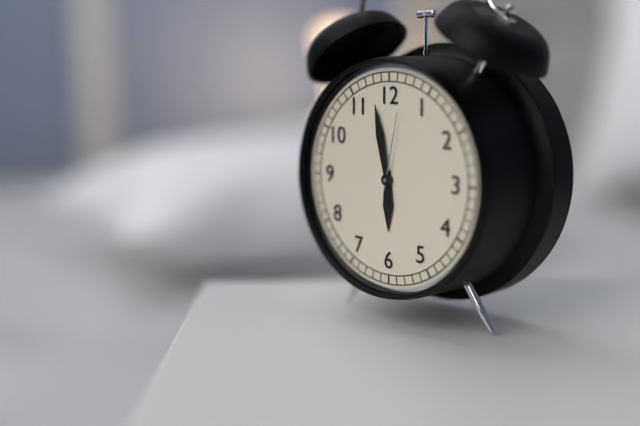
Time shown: {"hour": 5, "minute": 58, "second": 2}
